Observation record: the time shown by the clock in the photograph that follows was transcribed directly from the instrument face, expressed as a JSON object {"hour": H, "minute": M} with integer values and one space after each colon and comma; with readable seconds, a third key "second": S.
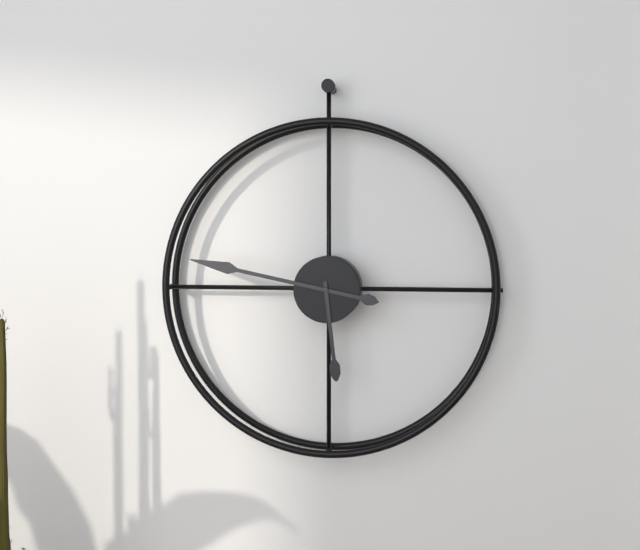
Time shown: {"hour": 5, "minute": 47}
